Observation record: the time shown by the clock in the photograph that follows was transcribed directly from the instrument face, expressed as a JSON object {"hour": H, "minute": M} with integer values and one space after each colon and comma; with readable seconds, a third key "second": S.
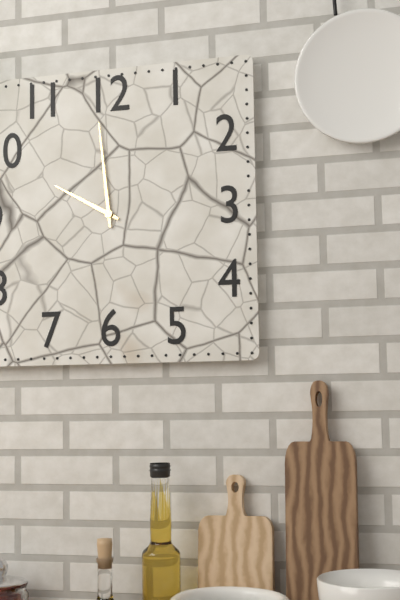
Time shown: {"hour": 9, "minute": 59}
